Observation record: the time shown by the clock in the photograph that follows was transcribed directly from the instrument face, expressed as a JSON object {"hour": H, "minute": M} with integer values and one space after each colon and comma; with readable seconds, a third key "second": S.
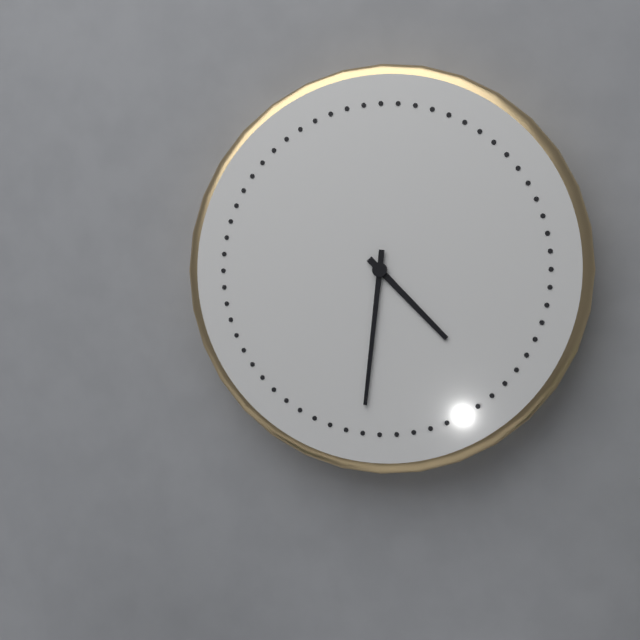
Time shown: {"hour": 4, "minute": 31}
